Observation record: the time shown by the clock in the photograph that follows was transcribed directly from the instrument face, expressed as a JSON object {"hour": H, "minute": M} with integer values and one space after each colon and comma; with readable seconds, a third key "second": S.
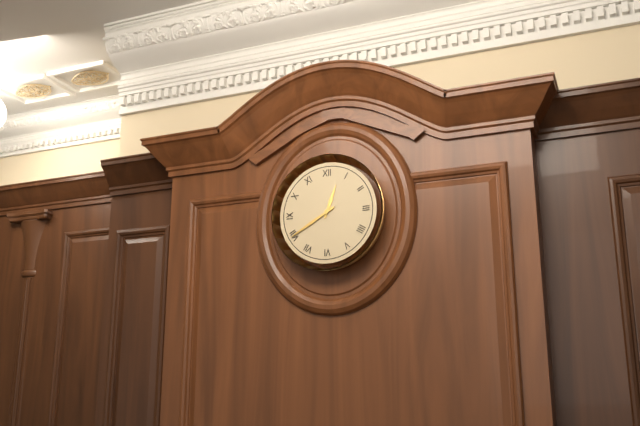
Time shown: {"hour": 12, "minute": 40}
